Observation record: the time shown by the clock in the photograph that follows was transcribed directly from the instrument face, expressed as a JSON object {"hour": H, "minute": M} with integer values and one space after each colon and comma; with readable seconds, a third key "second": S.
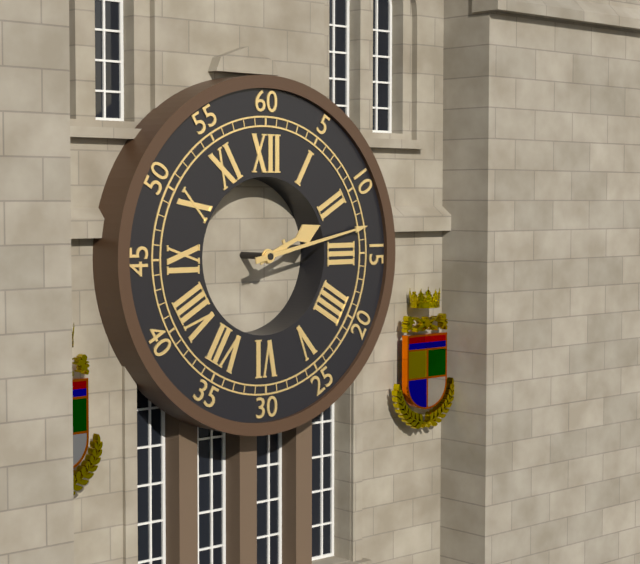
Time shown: {"hour": 2, "minute": 13}
